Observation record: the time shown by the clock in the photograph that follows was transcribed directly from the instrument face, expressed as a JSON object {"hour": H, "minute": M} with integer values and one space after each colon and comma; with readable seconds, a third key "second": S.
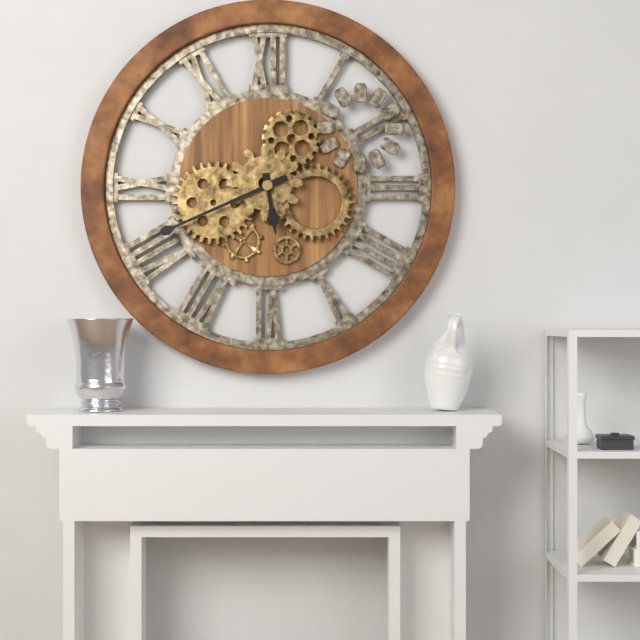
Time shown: {"hour": 5, "minute": 41}
